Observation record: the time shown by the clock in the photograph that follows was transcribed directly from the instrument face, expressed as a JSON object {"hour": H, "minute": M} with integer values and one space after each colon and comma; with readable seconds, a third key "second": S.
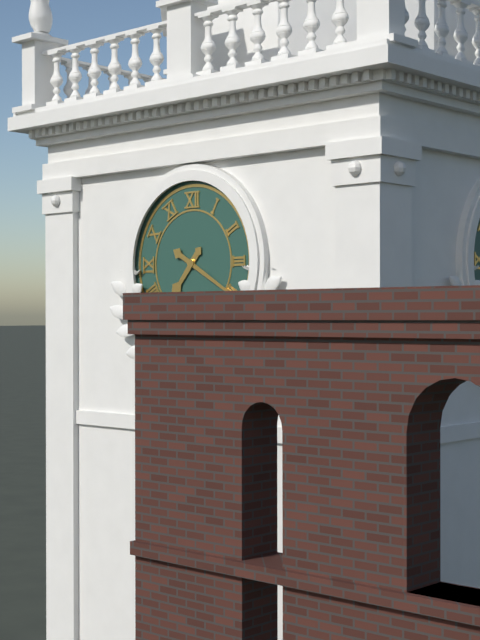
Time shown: {"hour": 7, "minute": 20}
